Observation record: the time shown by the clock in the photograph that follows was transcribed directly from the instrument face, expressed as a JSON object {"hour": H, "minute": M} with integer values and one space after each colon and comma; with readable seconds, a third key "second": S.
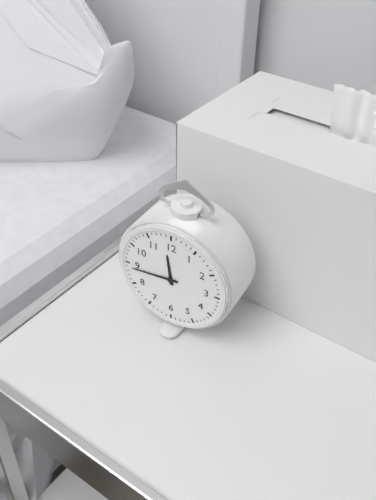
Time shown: {"hour": 11, "minute": 44}
